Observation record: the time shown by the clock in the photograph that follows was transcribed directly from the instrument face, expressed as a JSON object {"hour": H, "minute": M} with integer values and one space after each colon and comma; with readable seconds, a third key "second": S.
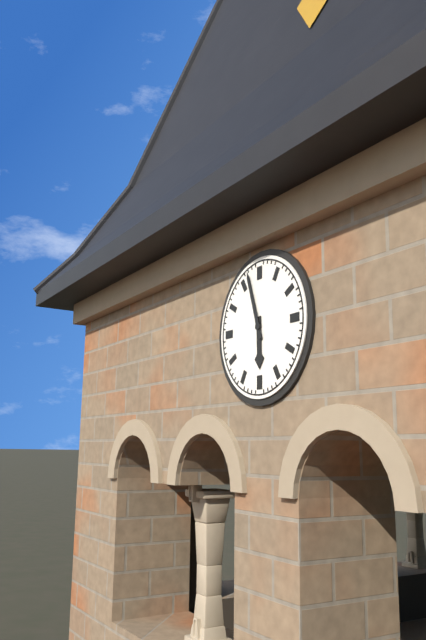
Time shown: {"hour": 5, "minute": 57}
